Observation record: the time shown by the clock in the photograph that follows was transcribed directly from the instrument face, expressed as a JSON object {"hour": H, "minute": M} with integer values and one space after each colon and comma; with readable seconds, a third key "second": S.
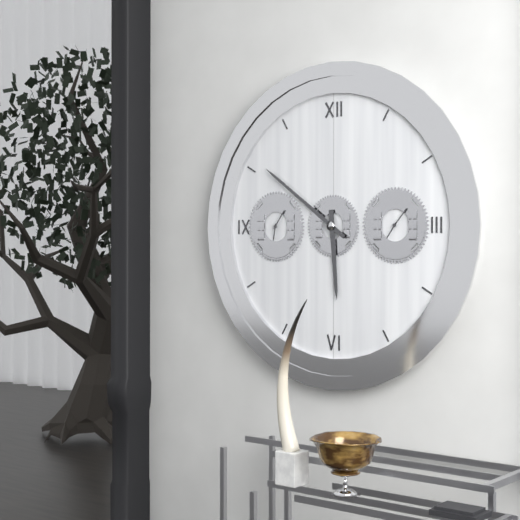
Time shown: {"hour": 5, "minute": 51}
